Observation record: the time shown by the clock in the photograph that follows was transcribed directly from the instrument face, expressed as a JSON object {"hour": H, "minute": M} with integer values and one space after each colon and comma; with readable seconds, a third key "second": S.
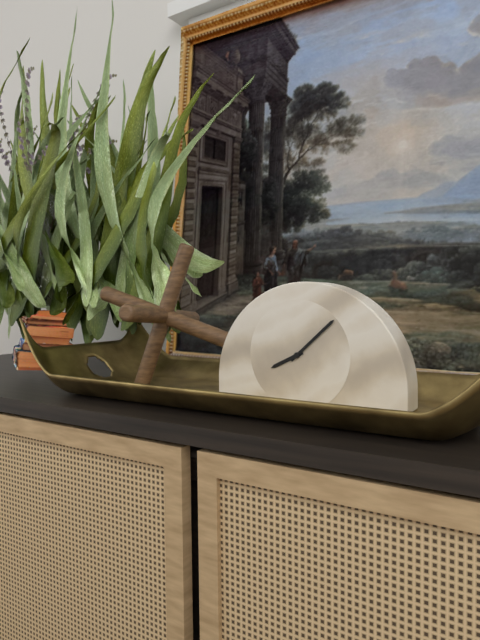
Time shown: {"hour": 8, "minute": 8}
